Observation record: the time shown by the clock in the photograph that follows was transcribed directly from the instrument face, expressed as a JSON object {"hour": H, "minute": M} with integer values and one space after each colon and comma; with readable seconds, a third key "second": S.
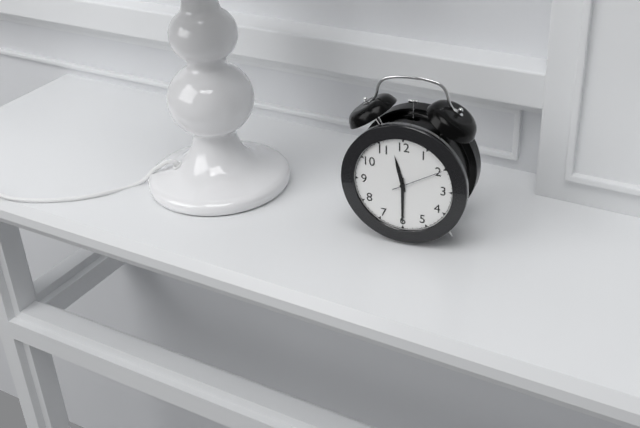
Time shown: {"hour": 11, "minute": 30, "second": 10}
